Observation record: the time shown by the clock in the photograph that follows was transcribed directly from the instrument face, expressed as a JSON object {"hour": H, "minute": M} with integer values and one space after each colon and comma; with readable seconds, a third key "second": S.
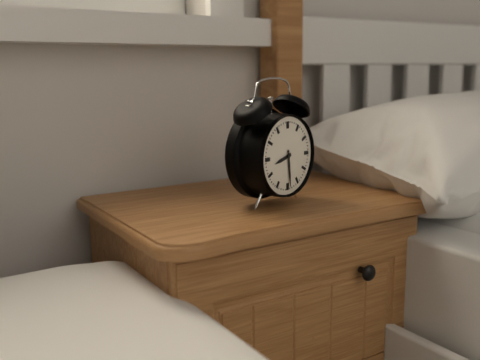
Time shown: {"hour": 8, "minute": 29}
